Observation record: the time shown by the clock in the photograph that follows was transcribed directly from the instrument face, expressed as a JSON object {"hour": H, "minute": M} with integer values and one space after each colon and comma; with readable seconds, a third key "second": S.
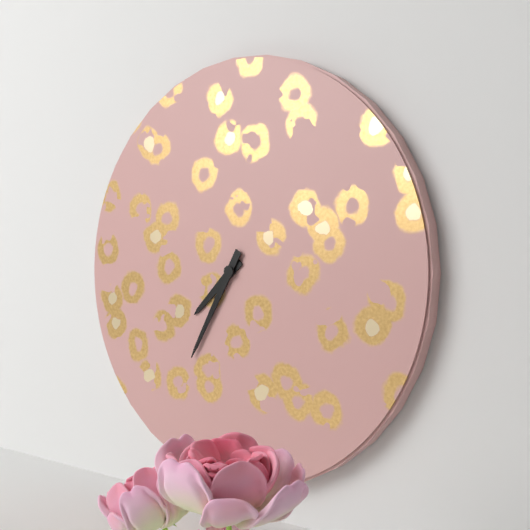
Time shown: {"hour": 7, "minute": 35}
